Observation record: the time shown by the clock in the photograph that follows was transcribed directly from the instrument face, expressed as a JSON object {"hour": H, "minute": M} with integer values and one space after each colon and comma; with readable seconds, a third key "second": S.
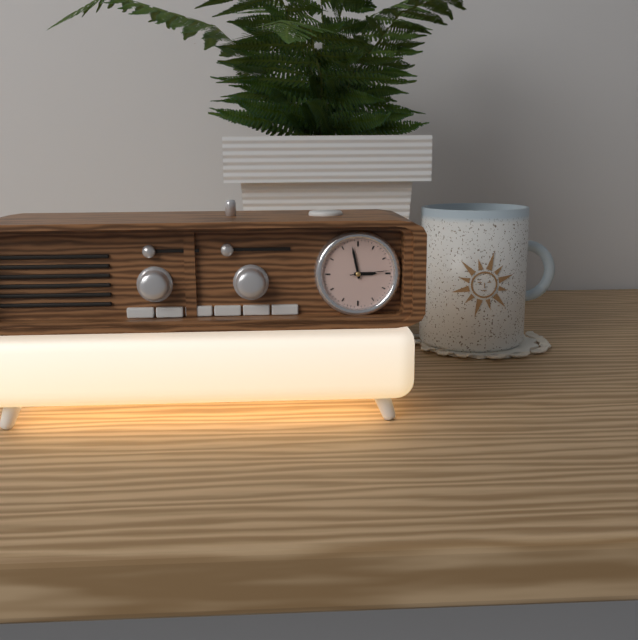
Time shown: {"hour": 2, "minute": 58}
